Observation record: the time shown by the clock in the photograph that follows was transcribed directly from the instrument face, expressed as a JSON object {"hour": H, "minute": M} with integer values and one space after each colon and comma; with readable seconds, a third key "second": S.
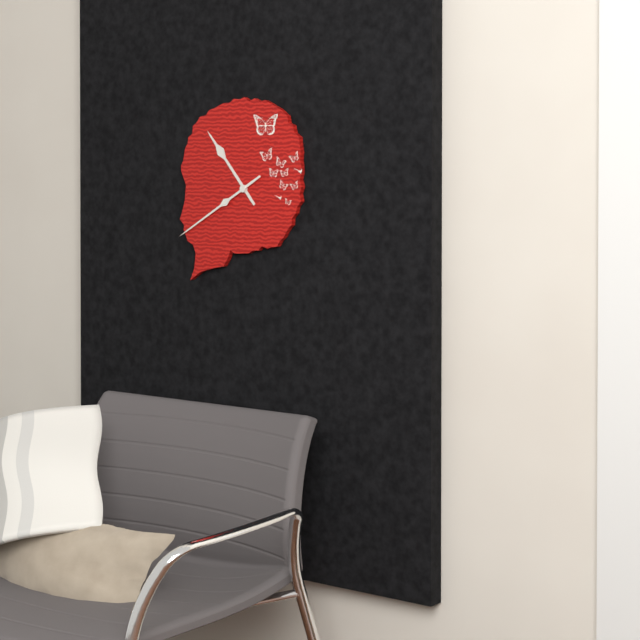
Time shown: {"hour": 10, "minute": 40}
